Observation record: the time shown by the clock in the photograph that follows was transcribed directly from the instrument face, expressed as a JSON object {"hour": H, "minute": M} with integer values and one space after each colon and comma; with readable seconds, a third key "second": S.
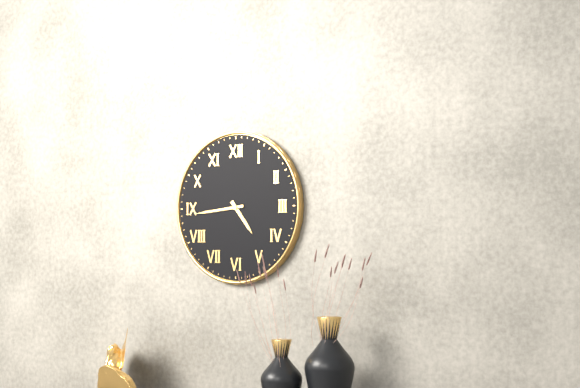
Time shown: {"hour": 4, "minute": 44}
